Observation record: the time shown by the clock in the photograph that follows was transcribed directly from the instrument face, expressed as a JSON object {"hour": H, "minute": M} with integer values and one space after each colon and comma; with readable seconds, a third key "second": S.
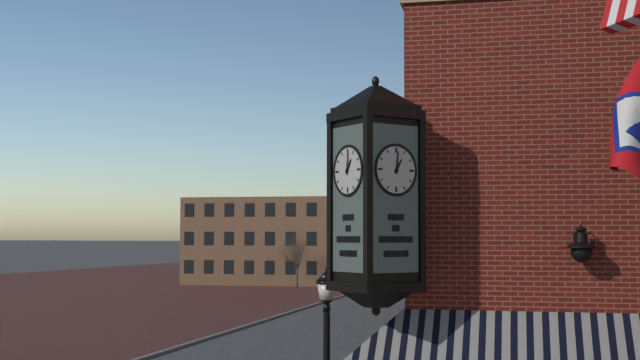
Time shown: {"hour": 1, "minute": 1}
